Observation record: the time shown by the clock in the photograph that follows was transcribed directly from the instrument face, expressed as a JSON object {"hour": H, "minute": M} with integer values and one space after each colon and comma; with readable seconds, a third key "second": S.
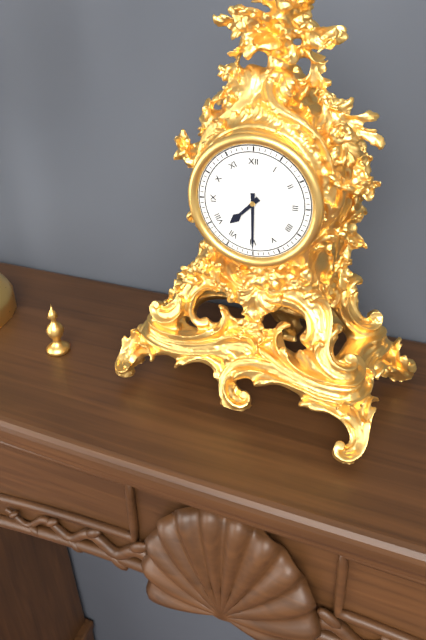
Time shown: {"hour": 7, "minute": 30}
